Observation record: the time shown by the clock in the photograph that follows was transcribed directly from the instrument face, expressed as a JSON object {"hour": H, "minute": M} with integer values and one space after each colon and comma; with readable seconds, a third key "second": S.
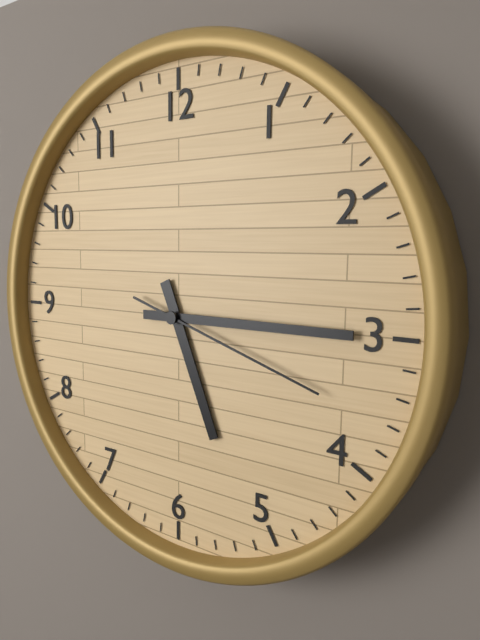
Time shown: {"hour": 5, "minute": 15, "second": 18}
